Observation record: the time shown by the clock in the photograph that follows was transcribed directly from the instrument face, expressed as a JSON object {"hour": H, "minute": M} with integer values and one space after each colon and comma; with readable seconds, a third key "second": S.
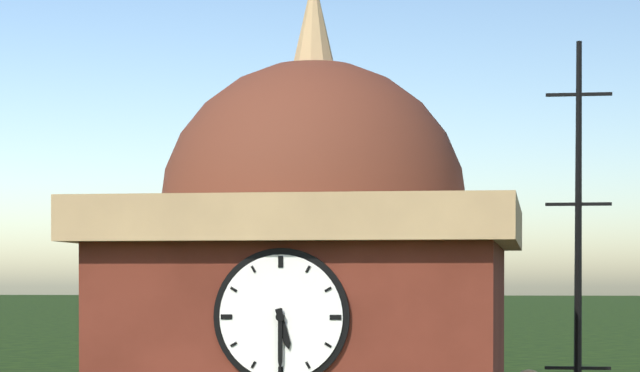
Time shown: {"hour": 5, "minute": 30}
